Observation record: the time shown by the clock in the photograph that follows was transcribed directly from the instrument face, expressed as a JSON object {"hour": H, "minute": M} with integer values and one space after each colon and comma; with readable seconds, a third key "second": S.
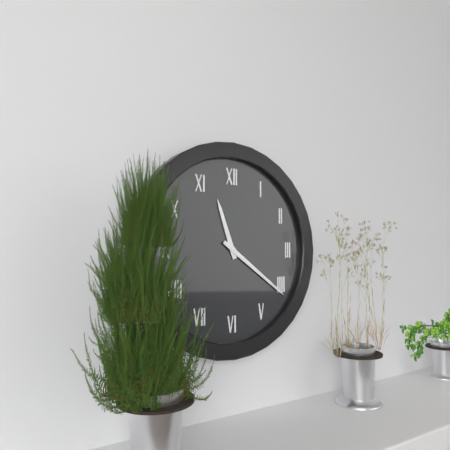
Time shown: {"hour": 11, "minute": 21}
